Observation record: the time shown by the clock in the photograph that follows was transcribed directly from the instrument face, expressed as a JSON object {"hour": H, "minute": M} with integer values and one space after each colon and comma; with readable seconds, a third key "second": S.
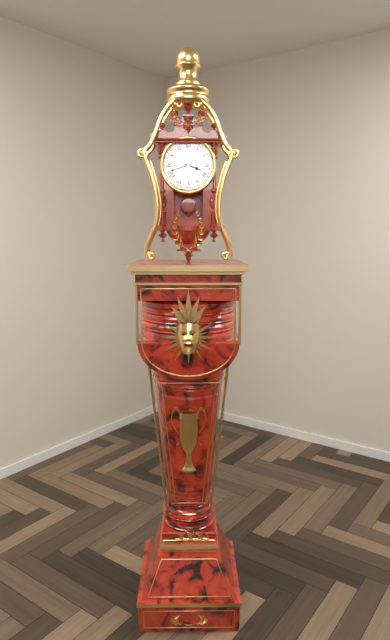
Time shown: {"hour": 3, "minute": 42}
